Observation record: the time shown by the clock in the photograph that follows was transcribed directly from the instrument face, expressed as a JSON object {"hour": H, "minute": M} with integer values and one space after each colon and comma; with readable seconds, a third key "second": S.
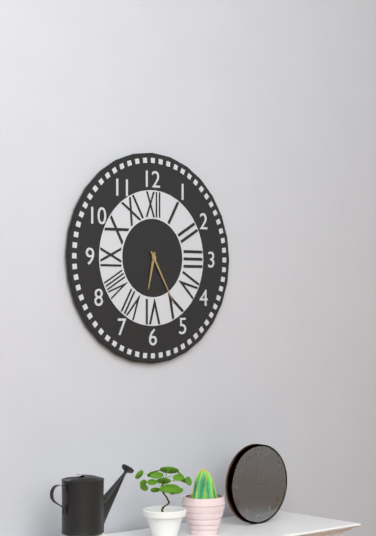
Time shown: {"hour": 6, "minute": 25}
